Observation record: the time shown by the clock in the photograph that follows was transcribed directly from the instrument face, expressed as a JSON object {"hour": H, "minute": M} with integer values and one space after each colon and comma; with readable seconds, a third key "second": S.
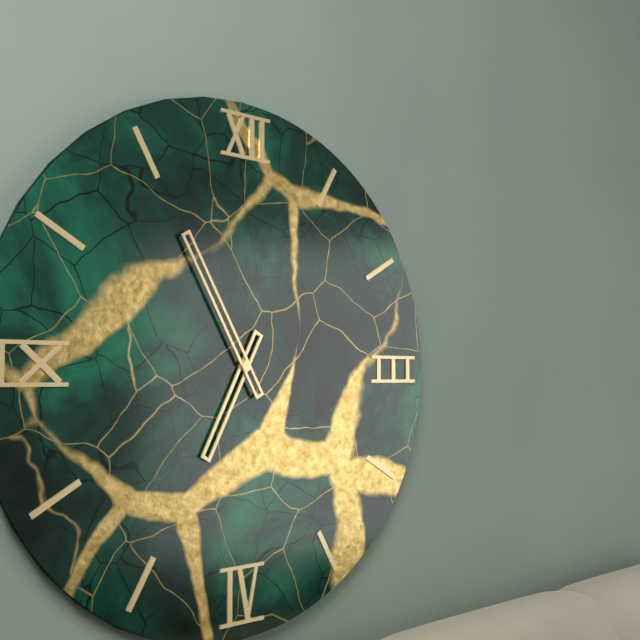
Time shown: {"hour": 6, "minute": 55}
